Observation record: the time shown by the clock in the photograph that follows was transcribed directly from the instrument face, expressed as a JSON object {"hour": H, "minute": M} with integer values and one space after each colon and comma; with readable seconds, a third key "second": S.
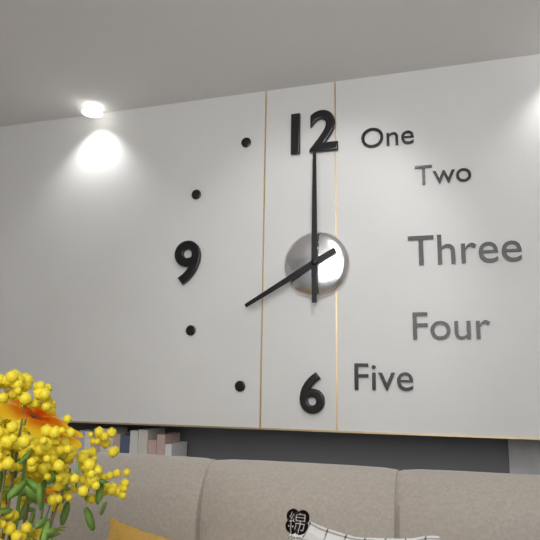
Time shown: {"hour": 8, "minute": 0}
